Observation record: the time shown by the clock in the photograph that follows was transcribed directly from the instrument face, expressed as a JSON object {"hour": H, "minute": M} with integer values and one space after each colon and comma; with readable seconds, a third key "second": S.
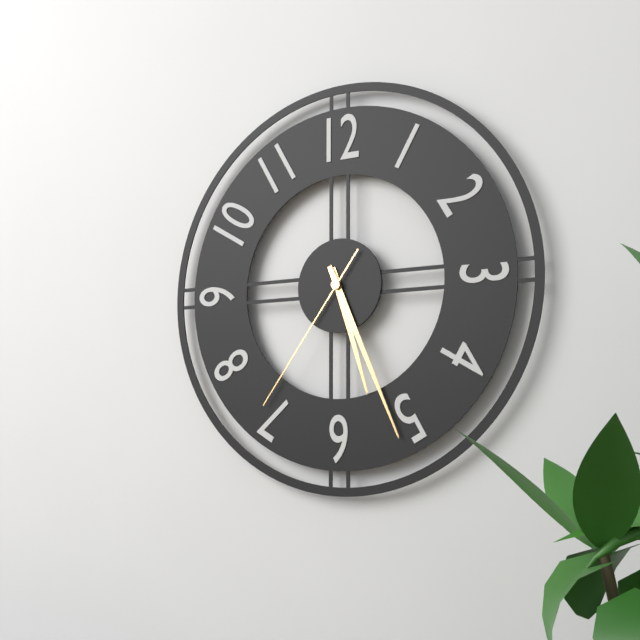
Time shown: {"hour": 5, "minute": 26, "second": 36}
